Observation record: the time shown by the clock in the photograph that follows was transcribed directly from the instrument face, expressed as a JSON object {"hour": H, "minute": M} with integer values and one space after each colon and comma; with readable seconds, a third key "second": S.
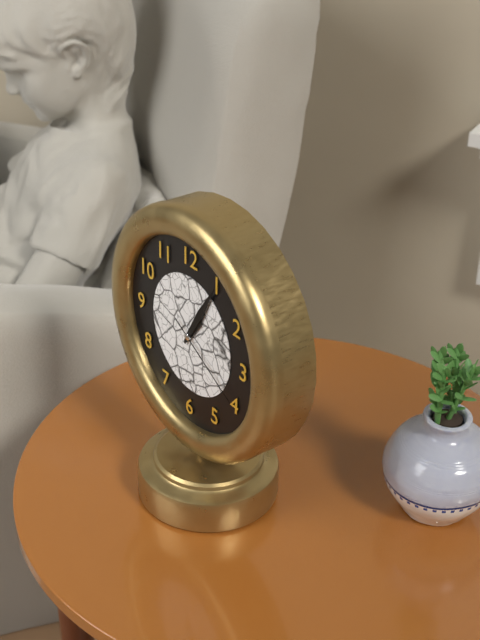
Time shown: {"hour": 1, "minute": 5, "second": 20}
